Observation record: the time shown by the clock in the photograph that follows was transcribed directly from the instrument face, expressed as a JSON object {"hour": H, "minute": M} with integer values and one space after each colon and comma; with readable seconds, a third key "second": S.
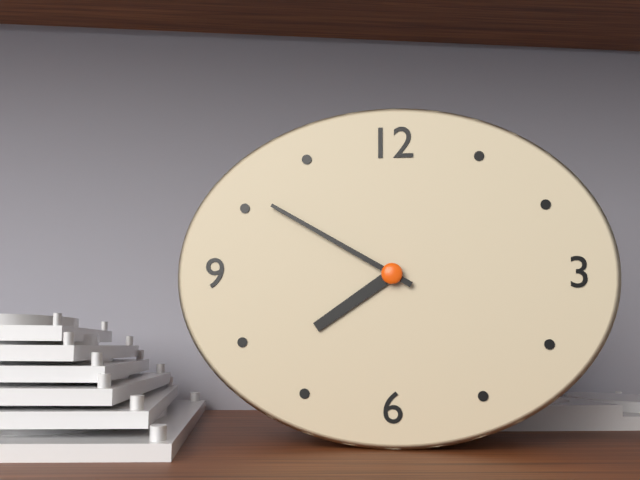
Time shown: {"hour": 7, "minute": 50}
